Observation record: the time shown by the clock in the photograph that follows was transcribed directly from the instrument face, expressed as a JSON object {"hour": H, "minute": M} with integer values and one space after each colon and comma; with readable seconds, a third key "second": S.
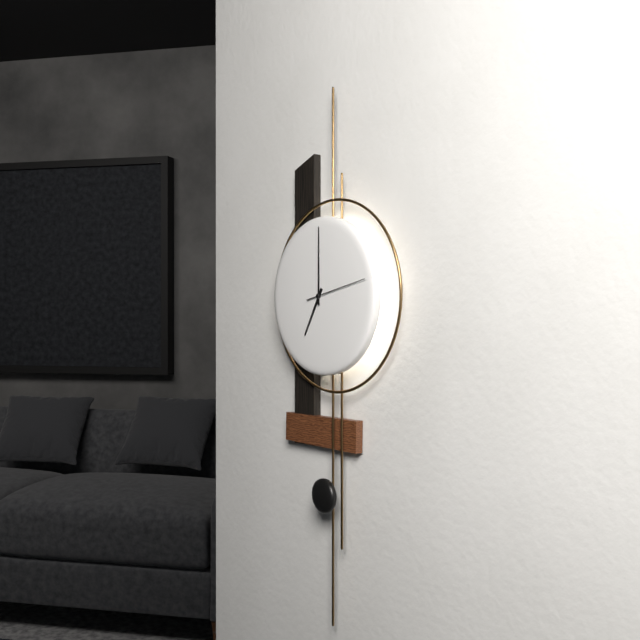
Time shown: {"hour": 7, "minute": 0, "second": 13}
